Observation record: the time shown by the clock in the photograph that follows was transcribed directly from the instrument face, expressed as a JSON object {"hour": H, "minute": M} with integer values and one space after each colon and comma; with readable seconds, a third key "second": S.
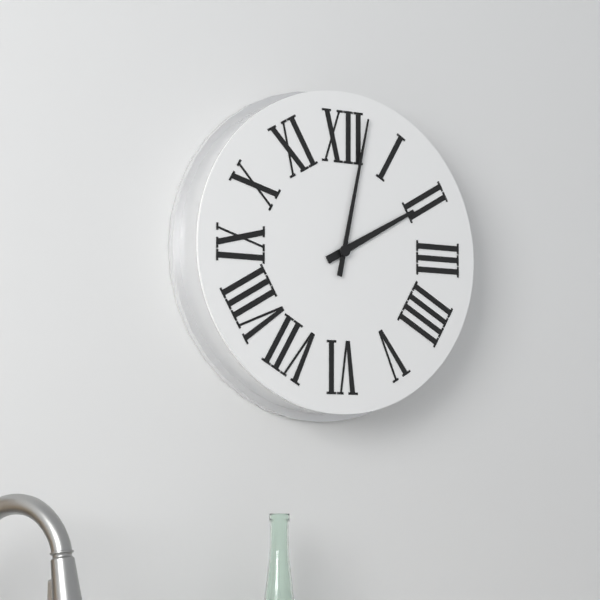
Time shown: {"hour": 2, "minute": 2}
